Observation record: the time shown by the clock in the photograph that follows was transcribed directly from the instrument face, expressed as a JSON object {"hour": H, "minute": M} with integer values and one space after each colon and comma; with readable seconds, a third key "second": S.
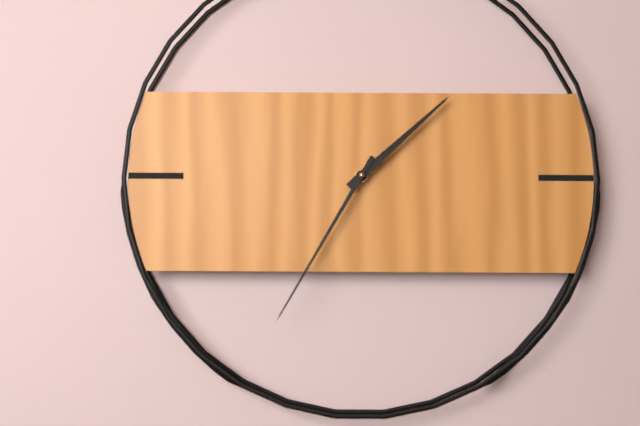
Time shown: {"hour": 1, "minute": 35}
